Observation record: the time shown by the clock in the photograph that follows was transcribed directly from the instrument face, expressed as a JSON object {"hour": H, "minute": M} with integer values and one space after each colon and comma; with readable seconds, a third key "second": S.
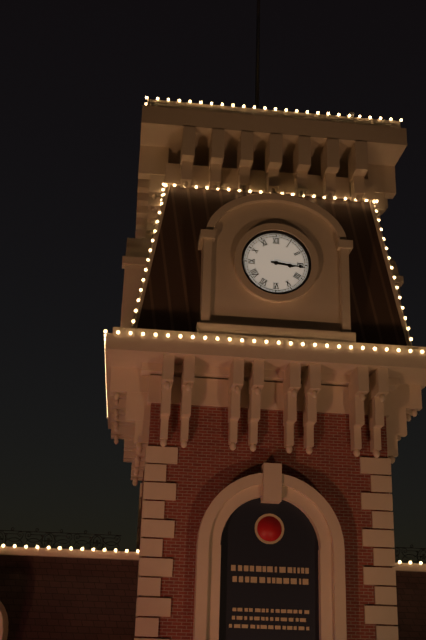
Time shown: {"hour": 3, "minute": 16}
